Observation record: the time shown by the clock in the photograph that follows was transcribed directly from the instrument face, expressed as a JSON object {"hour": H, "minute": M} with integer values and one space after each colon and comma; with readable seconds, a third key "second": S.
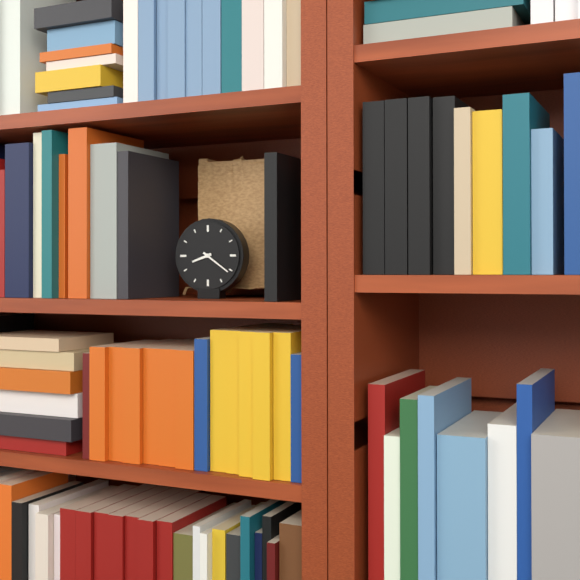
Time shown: {"hour": 8, "minute": 21}
